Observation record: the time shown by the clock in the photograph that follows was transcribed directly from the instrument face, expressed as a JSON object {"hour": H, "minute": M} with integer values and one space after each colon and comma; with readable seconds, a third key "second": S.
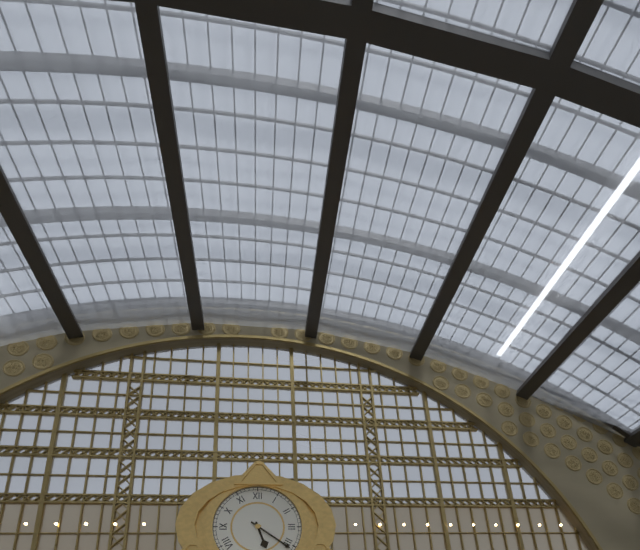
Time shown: {"hour": 5, "minute": 21}
